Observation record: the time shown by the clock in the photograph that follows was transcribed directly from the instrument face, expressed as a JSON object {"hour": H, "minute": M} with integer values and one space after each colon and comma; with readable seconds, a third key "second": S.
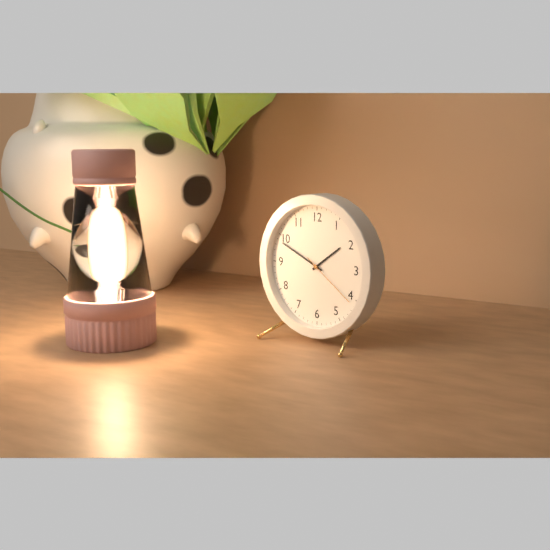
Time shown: {"hour": 1, "minute": 49, "second": 21}
